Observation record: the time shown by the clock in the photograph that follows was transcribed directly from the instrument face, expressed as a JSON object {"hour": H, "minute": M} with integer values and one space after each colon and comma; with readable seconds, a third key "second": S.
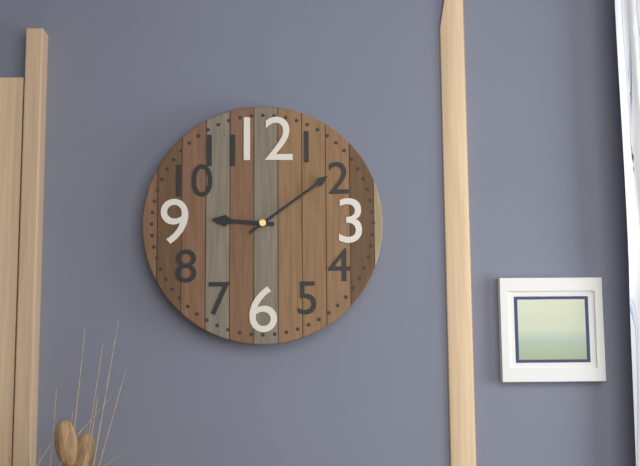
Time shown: {"hour": 9, "minute": 9}
